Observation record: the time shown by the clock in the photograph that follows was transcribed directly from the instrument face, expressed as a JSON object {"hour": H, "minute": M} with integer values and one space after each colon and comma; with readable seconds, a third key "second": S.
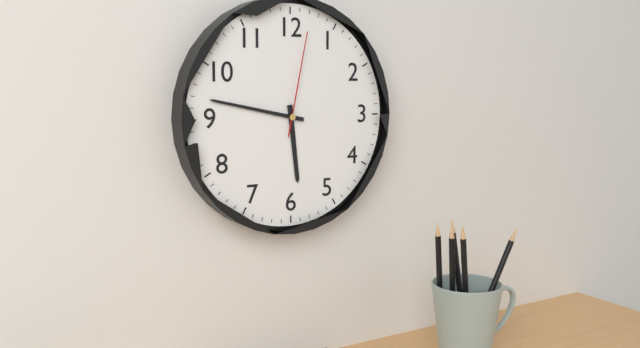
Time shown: {"hour": 5, "minute": 47, "second": 2}
